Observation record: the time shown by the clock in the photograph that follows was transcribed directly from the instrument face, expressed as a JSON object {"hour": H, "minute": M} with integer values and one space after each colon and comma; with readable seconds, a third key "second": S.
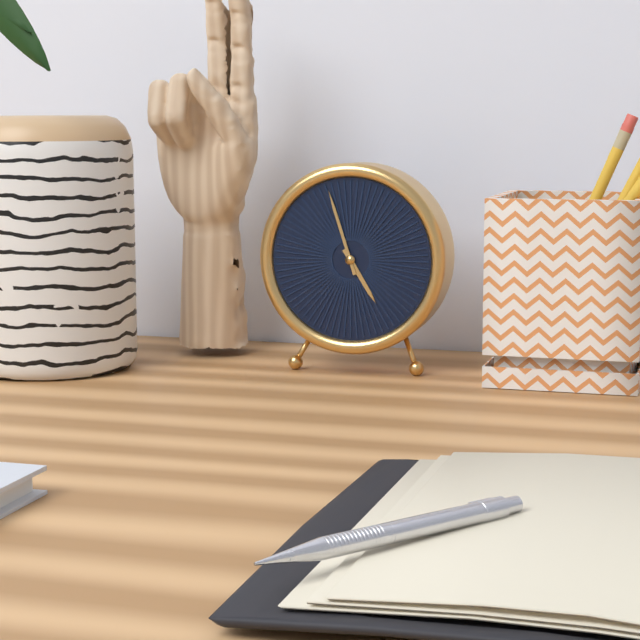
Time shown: {"hour": 4, "minute": 57}
